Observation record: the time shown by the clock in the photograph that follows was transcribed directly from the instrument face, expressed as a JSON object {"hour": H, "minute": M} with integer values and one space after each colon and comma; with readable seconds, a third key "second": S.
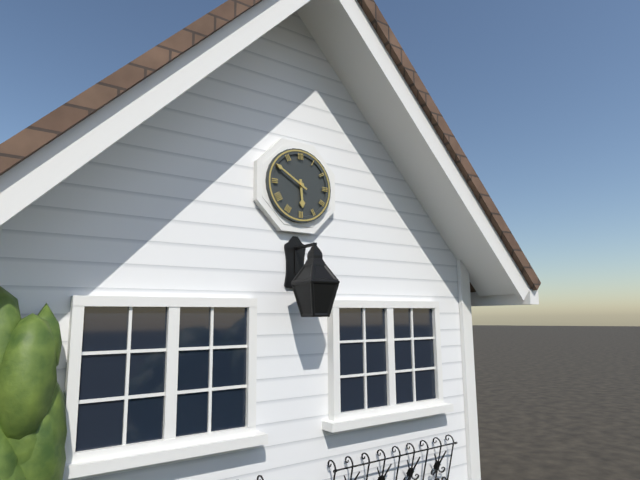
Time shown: {"hour": 5, "minute": 50}
